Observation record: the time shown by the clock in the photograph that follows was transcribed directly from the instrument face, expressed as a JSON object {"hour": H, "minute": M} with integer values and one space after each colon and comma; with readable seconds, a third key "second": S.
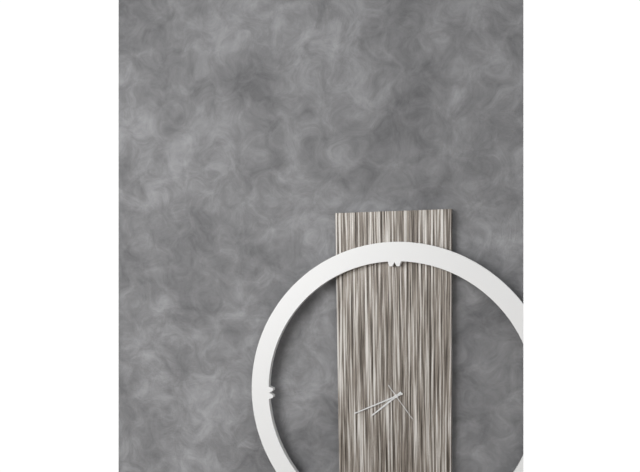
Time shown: {"hour": 7, "minute": 41}
